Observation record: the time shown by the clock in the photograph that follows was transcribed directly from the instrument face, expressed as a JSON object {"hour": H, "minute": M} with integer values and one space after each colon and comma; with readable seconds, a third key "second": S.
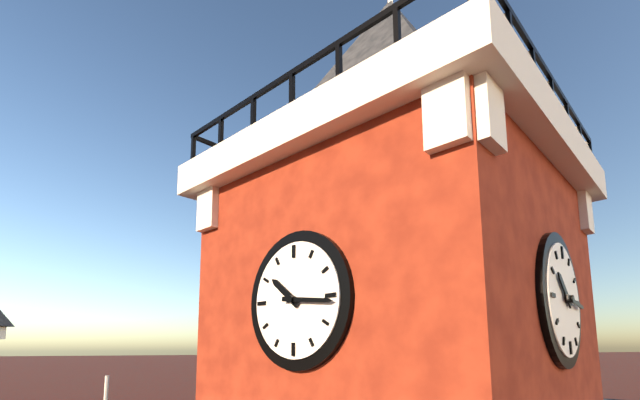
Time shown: {"hour": 10, "minute": 16}
